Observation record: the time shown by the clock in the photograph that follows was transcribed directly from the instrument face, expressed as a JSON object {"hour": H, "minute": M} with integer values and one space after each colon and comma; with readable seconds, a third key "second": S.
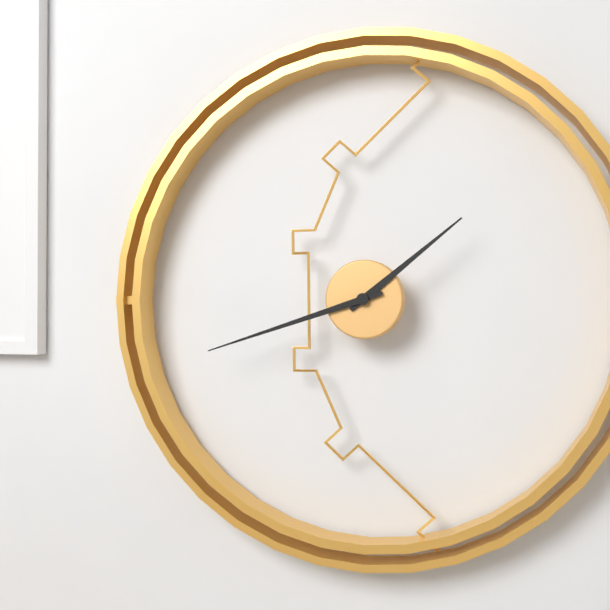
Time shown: {"hour": 1, "minute": 42}
